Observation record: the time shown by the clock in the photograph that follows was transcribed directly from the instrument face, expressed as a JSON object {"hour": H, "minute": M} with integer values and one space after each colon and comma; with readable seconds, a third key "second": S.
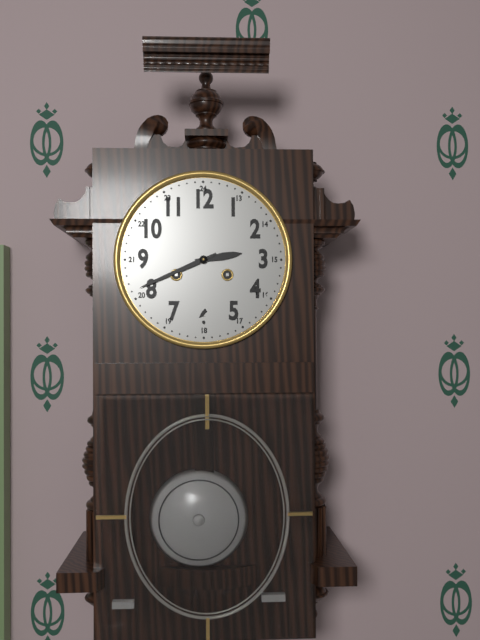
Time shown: {"hour": 2, "minute": 41}
